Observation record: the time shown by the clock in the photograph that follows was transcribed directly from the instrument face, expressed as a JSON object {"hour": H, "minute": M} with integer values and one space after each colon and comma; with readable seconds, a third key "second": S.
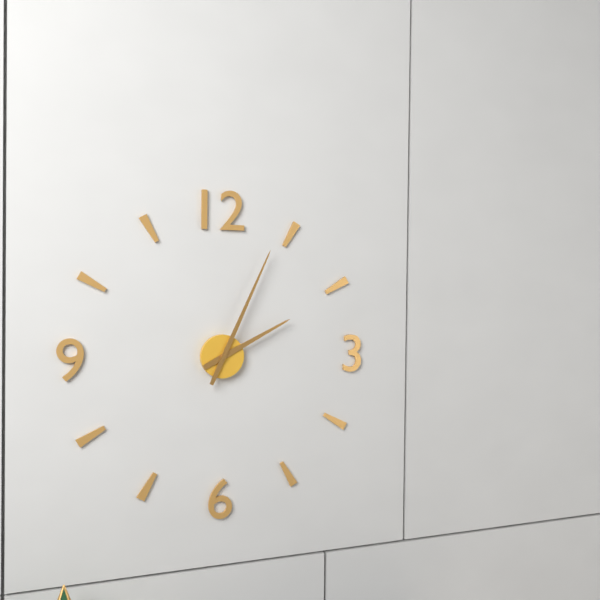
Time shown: {"hour": 2, "minute": 4}
